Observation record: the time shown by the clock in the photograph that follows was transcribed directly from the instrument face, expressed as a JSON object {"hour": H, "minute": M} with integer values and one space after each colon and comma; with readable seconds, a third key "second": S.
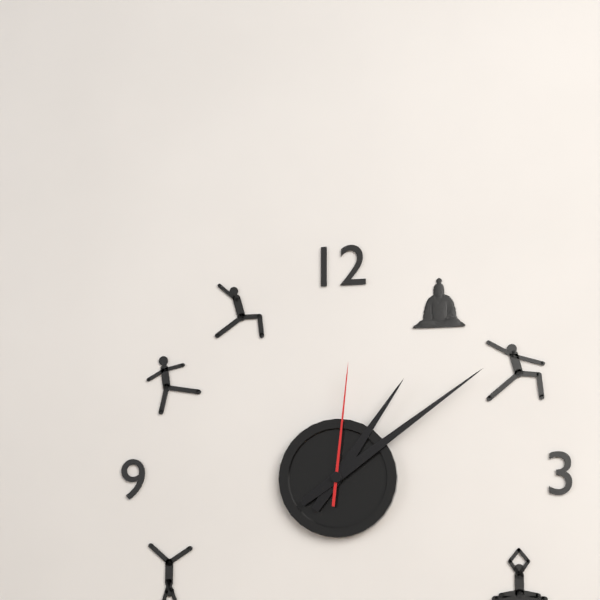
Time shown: {"hour": 1, "minute": 9, "second": 1}
